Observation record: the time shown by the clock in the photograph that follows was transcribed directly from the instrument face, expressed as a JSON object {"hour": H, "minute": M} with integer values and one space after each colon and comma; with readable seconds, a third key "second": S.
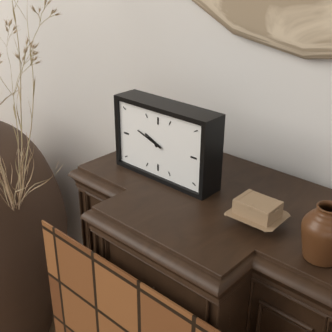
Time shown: {"hour": 9, "minute": 48}
